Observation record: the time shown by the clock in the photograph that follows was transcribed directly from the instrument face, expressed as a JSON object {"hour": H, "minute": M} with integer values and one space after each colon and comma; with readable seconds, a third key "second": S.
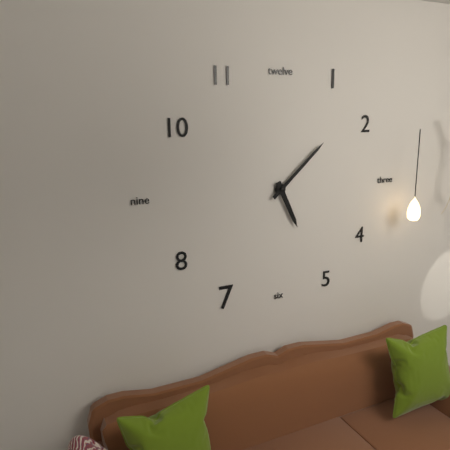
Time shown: {"hour": 5, "minute": 8}
